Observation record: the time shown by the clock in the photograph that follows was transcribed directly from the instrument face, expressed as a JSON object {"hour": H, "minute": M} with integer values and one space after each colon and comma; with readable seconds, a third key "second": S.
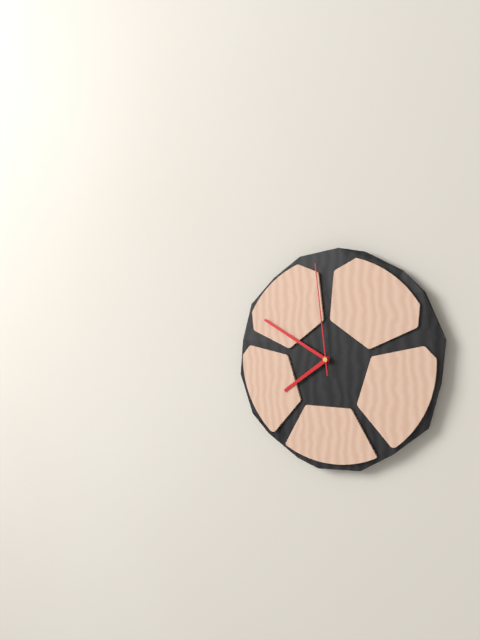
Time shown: {"hour": 7, "minute": 50, "second": 59}
